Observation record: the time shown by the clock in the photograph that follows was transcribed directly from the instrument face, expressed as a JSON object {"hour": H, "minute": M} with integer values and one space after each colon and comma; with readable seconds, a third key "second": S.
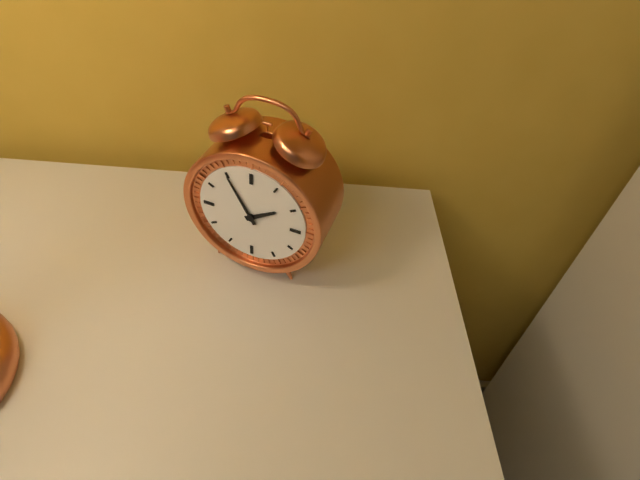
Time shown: {"hour": 1, "minute": 55}
